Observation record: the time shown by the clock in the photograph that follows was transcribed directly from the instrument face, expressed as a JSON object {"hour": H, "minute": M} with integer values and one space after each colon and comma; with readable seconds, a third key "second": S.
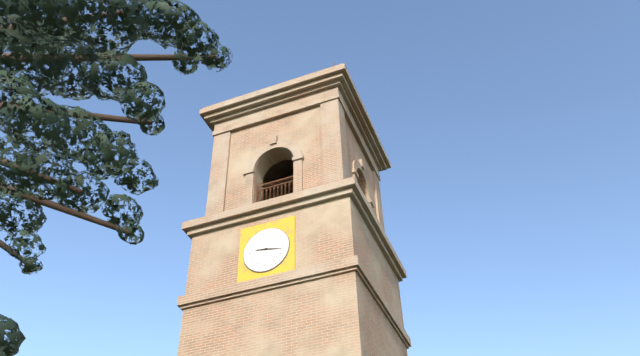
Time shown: {"hour": 9, "minute": 17}
